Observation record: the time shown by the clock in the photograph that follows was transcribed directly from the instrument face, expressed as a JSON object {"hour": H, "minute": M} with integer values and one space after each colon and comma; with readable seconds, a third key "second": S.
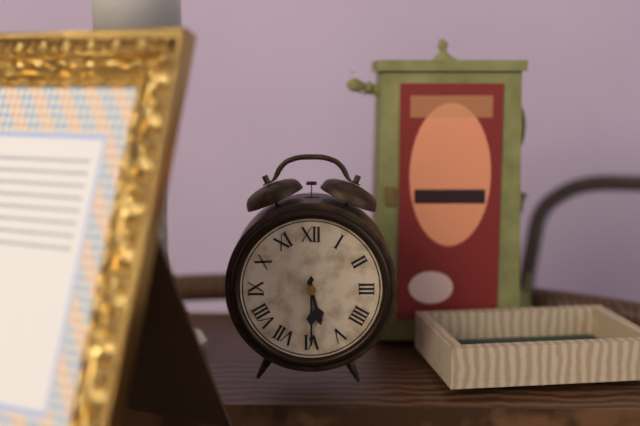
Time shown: {"hour": 5, "minute": 30}
